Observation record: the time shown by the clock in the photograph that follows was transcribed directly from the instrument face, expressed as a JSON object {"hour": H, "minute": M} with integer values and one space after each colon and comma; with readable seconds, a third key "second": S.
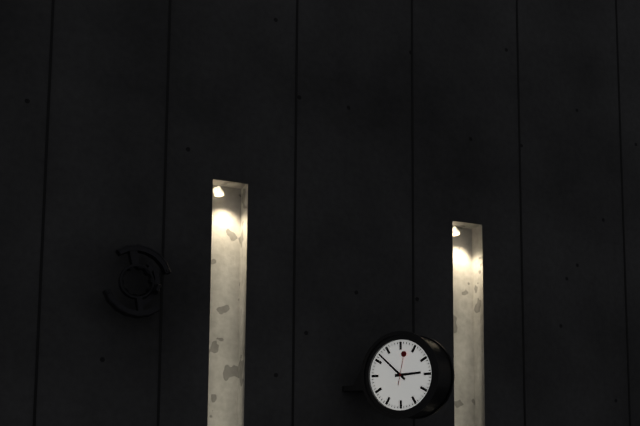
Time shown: {"hour": 2, "minute": 52}
